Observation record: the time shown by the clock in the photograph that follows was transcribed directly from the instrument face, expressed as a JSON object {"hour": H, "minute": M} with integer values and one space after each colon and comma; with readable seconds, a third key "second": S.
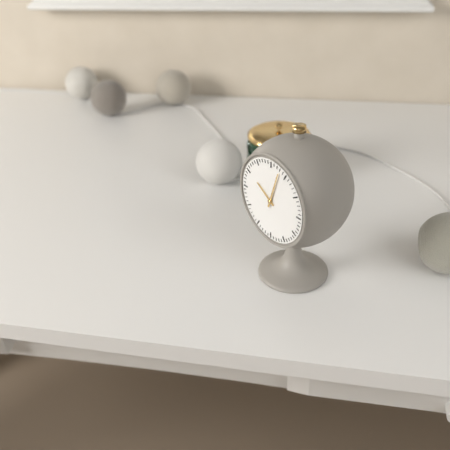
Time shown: {"hour": 10, "minute": 3}
